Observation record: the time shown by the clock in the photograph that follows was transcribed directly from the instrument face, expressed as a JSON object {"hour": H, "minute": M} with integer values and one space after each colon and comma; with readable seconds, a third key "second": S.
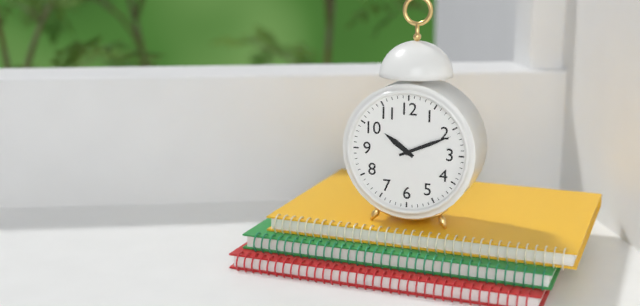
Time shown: {"hour": 10, "minute": 11}
